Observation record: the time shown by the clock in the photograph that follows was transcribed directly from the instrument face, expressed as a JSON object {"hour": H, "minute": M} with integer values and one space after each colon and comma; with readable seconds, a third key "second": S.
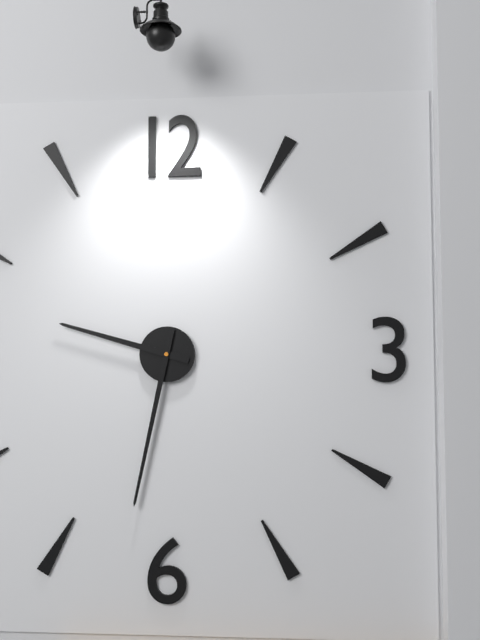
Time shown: {"hour": 9, "minute": 32}
